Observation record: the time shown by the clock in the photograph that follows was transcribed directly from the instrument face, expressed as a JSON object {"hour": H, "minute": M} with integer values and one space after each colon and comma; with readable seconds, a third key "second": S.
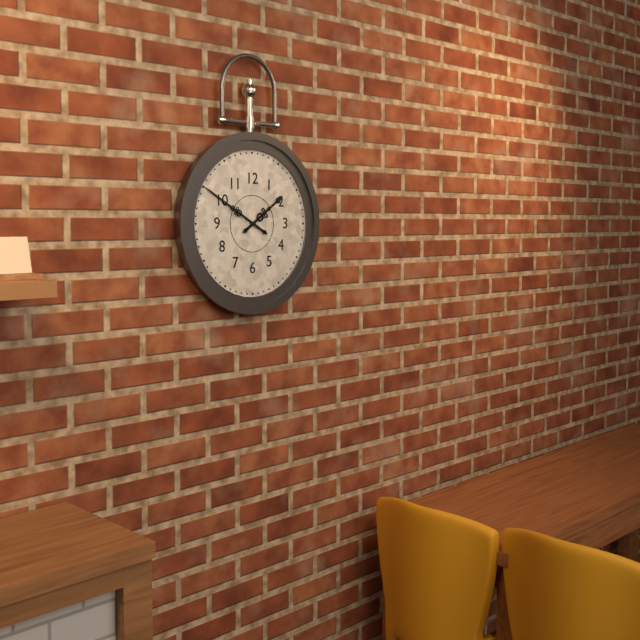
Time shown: {"hour": 1, "minute": 50}
